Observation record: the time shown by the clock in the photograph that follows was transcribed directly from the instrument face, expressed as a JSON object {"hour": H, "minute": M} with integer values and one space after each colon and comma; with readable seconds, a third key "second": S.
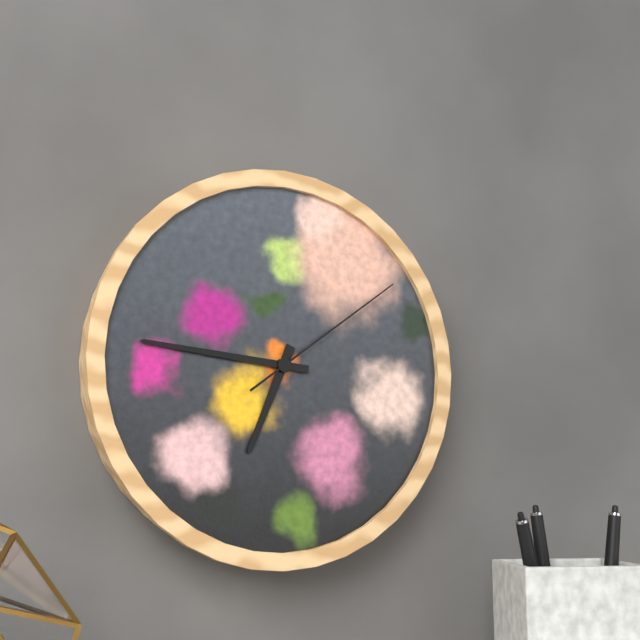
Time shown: {"hour": 6, "minute": 46, "second": 9}
